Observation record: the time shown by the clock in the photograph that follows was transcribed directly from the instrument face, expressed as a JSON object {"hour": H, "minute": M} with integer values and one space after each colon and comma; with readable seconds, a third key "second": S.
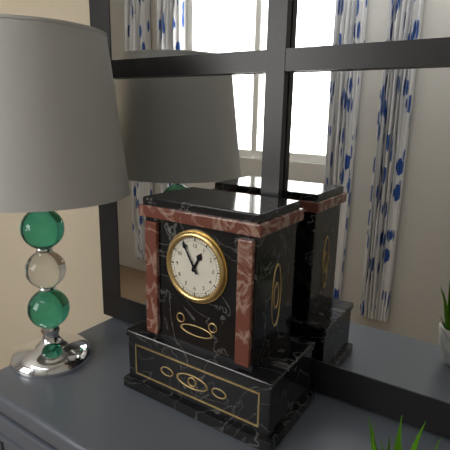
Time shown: {"hour": 12, "minute": 55}
